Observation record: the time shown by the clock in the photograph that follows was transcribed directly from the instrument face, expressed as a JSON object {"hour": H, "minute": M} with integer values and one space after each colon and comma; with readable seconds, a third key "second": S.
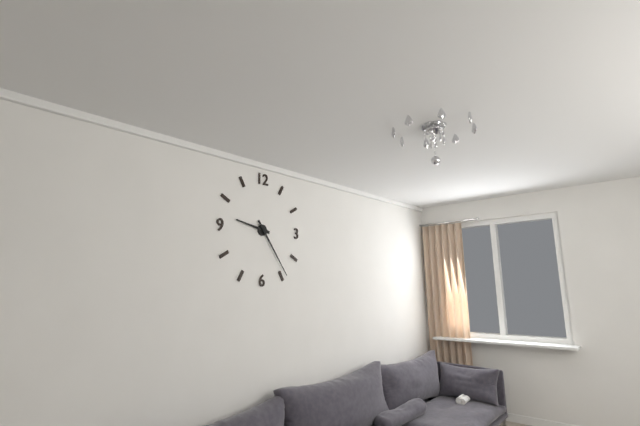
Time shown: {"hour": 9, "minute": 24}
